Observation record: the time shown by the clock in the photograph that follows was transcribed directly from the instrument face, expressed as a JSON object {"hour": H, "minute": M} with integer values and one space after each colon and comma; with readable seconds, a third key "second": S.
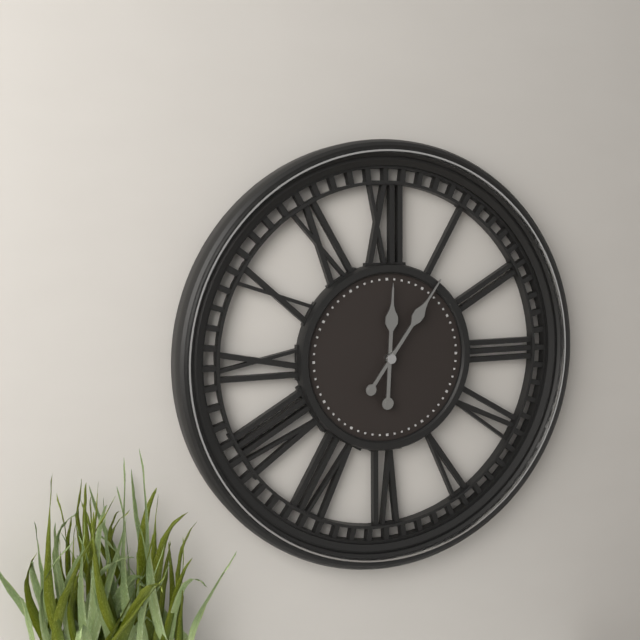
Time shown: {"hour": 12, "minute": 6}
